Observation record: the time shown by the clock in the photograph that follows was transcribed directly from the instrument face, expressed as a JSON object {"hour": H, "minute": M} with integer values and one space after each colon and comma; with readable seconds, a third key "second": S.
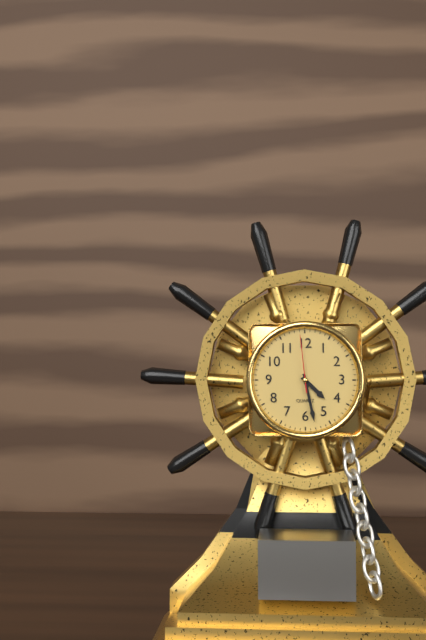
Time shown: {"hour": 4, "minute": 28, "second": 59}
